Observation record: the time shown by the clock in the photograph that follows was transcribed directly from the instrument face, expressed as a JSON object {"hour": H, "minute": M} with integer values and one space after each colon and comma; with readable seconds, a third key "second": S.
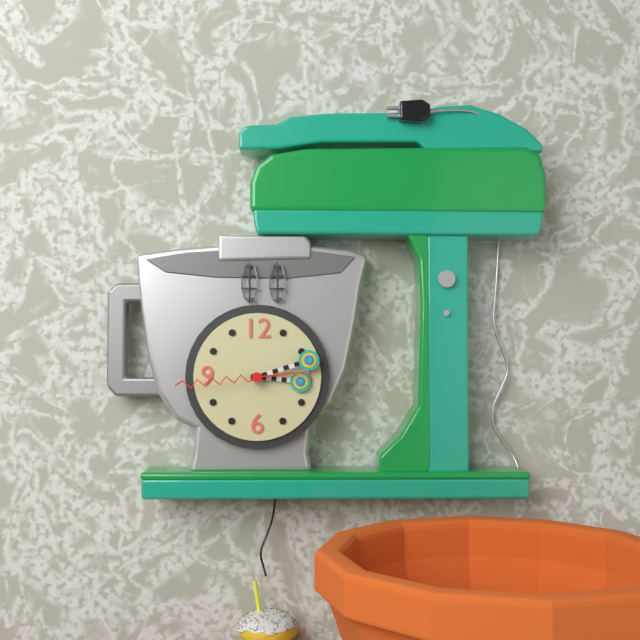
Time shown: {"hour": 3, "minute": 12, "second": 44}
